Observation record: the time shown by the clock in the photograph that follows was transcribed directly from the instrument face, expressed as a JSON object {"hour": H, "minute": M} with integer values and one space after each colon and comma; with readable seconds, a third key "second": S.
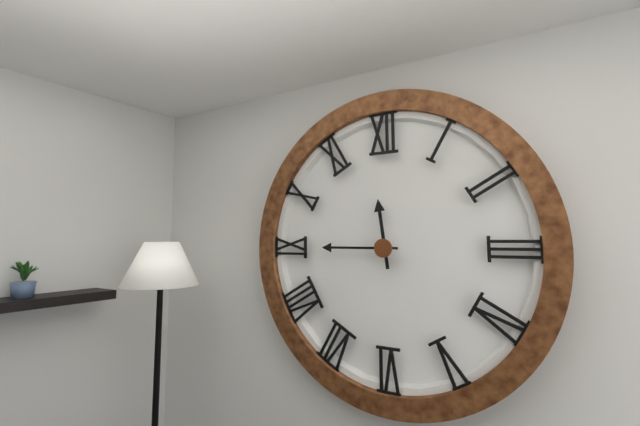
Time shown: {"hour": 11, "minute": 45}
